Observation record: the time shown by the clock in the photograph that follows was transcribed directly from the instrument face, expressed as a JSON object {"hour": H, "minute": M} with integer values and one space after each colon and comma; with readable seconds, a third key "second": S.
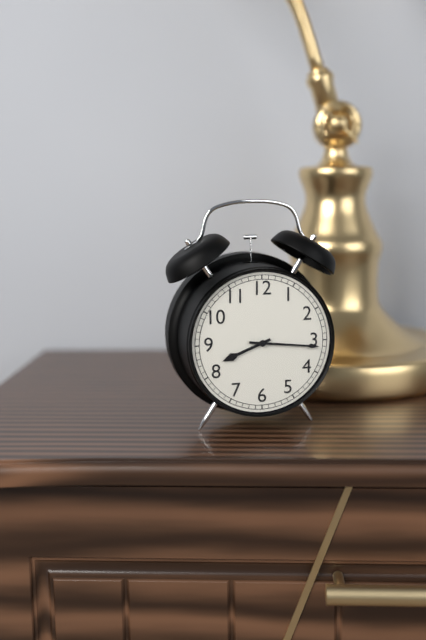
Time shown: {"hour": 8, "minute": 16}
